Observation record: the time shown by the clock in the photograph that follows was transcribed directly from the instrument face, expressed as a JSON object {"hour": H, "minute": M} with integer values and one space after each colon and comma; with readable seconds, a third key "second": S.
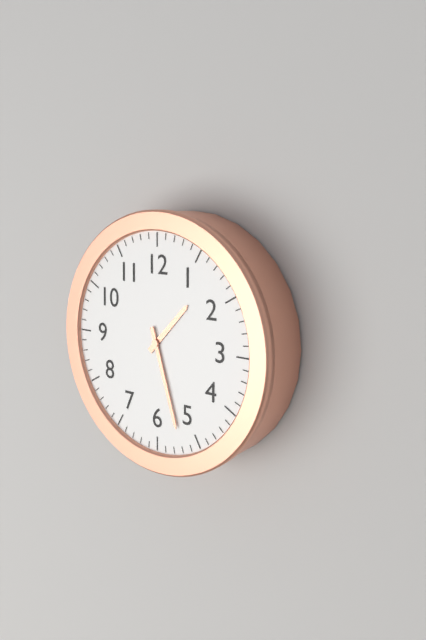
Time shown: {"hour": 1, "minute": 27}
